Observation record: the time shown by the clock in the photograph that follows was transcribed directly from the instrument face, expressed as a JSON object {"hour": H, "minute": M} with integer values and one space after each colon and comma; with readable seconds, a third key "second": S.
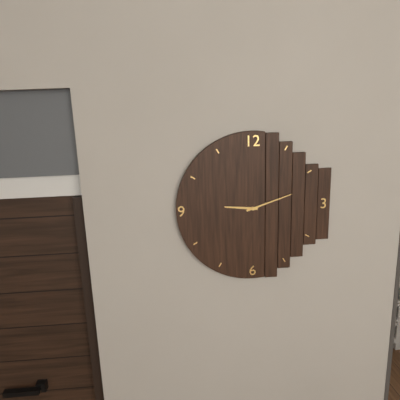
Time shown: {"hour": 9, "minute": 12}
